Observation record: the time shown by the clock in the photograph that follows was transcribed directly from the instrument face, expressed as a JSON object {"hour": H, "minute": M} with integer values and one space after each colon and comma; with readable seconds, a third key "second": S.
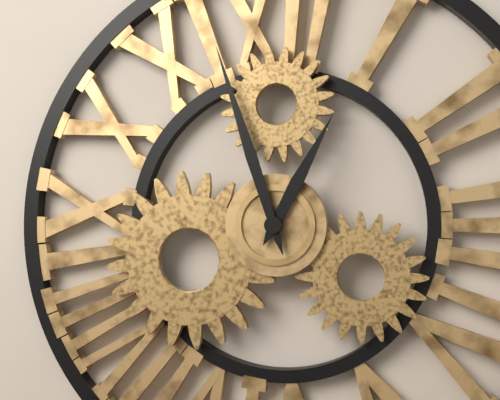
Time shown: {"hour": 12, "minute": 57}
